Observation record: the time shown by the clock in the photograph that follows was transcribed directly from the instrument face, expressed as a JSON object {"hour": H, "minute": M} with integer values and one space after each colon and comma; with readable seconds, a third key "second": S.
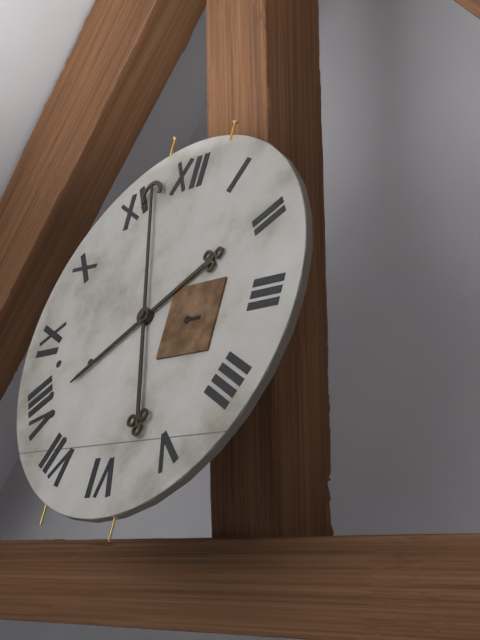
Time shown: {"hour": 7, "minute": 57}
